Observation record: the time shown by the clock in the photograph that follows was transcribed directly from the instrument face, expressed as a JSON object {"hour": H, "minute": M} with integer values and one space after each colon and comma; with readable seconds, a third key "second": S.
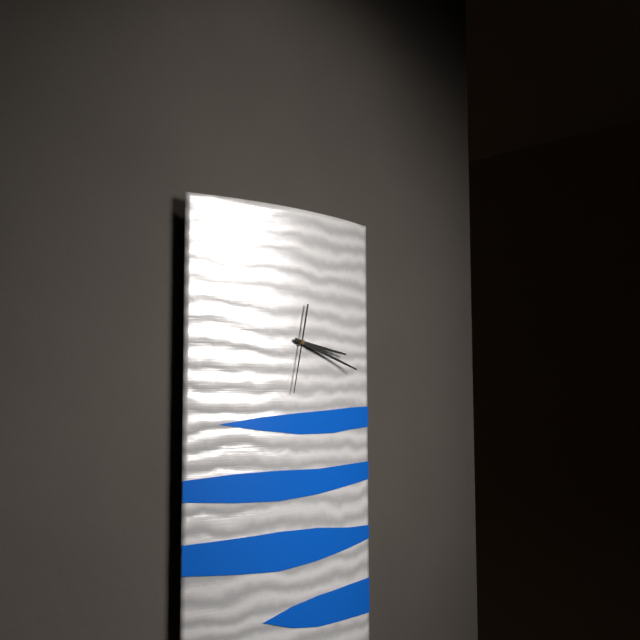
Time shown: {"hour": 3, "minute": 18, "second": 32}
